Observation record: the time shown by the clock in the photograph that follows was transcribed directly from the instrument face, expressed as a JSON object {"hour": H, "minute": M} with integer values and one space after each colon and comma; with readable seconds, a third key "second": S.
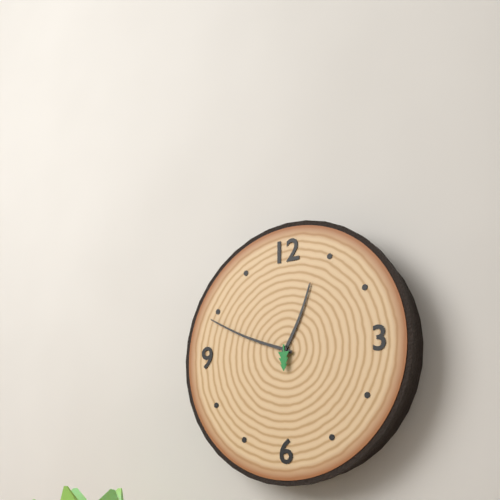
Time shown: {"hour": 12, "minute": 49}
